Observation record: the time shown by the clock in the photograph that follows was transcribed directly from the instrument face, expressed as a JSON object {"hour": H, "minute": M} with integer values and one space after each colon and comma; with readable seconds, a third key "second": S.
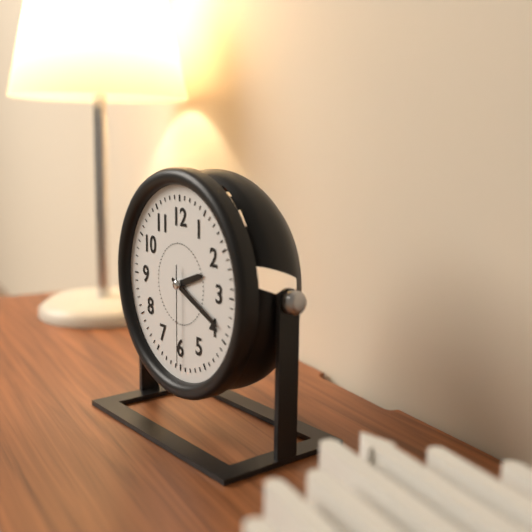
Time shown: {"hour": 2, "minute": 19, "second": 30}
